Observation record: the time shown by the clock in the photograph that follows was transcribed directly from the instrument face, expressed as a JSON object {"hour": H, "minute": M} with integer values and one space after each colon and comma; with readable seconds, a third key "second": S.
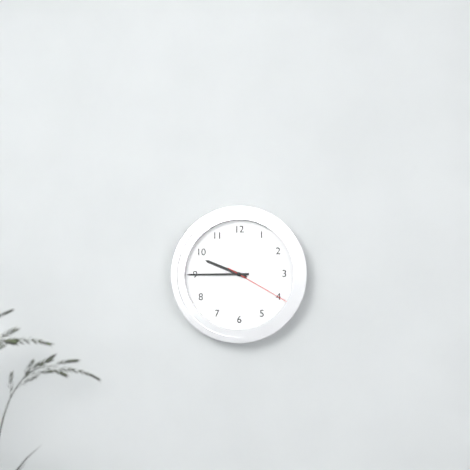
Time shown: {"hour": 9, "minute": 45, "second": 20}
